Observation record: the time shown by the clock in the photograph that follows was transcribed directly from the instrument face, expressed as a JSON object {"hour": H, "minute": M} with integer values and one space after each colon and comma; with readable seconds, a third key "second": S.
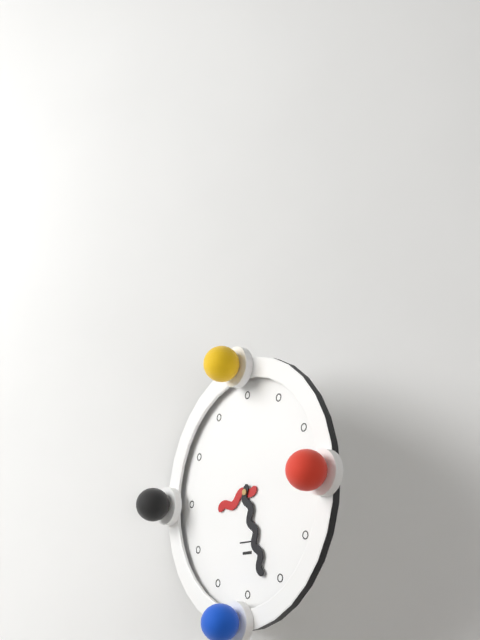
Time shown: {"hour": 8, "minute": 27}
